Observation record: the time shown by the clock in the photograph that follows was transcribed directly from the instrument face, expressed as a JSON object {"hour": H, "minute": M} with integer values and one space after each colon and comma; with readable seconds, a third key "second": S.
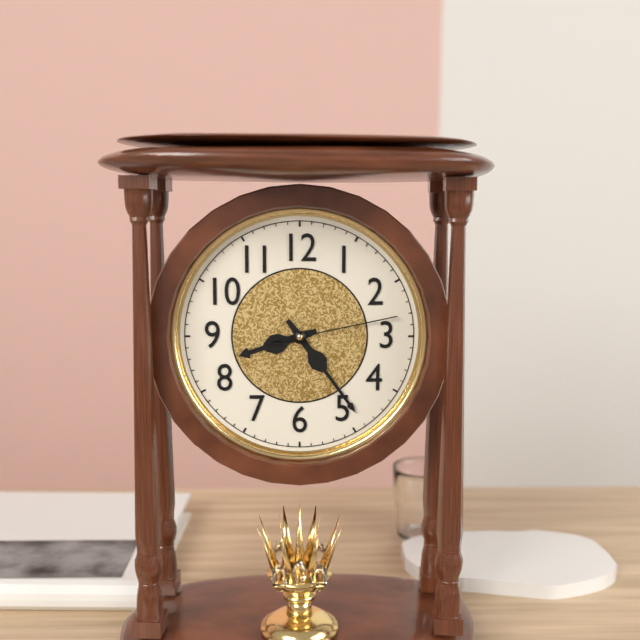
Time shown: {"hour": 8, "minute": 24, "second": 13}
